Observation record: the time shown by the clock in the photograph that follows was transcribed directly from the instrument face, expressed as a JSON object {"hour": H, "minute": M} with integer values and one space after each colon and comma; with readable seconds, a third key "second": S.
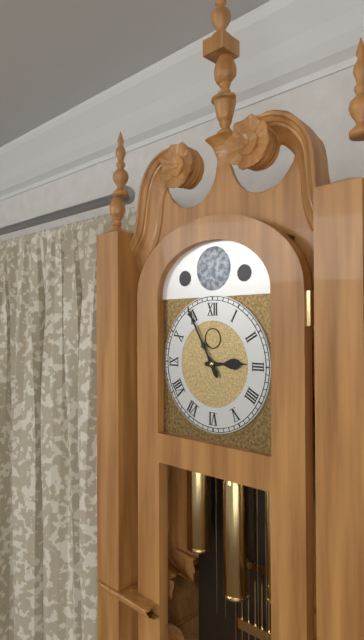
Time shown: {"hour": 2, "minute": 55}
